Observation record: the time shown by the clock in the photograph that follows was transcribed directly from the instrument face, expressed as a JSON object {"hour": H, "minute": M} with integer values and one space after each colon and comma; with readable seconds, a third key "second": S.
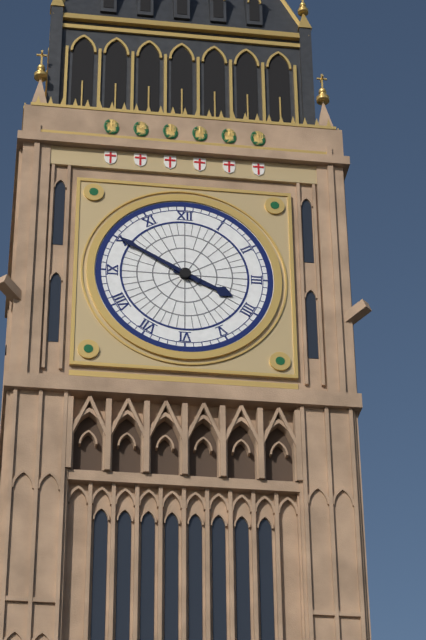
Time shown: {"hour": 3, "minute": 50}
